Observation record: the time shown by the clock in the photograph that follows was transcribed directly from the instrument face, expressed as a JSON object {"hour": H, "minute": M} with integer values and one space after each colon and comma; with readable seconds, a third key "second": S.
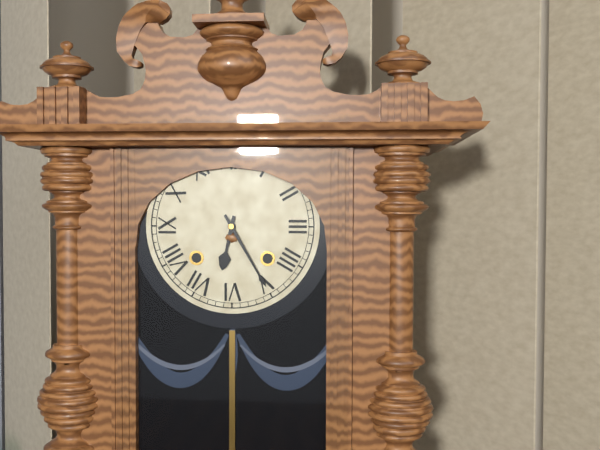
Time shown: {"hour": 6, "minute": 25}
